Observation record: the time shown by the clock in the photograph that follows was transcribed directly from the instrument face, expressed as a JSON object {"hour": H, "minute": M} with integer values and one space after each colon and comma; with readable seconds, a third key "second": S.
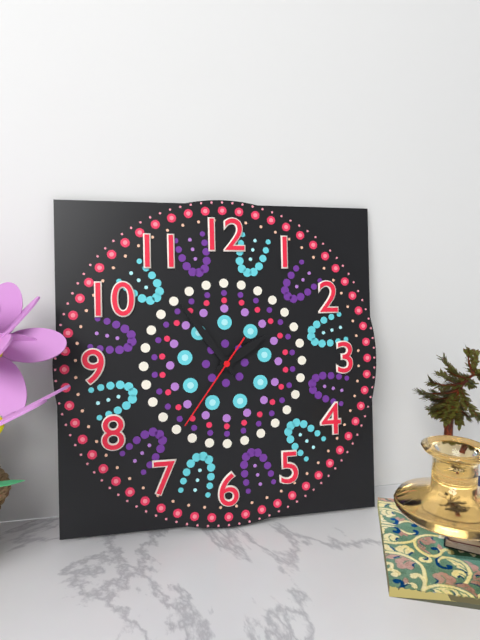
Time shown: {"hour": 1, "minute": 54, "second": 36}
